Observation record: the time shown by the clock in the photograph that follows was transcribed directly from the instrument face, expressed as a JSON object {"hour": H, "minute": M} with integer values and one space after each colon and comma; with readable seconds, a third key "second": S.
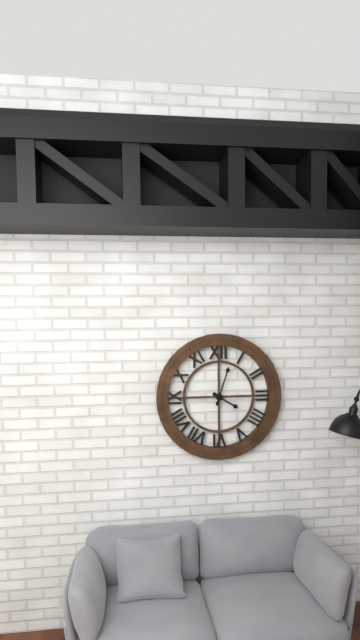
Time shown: {"hour": 4, "minute": 3}
